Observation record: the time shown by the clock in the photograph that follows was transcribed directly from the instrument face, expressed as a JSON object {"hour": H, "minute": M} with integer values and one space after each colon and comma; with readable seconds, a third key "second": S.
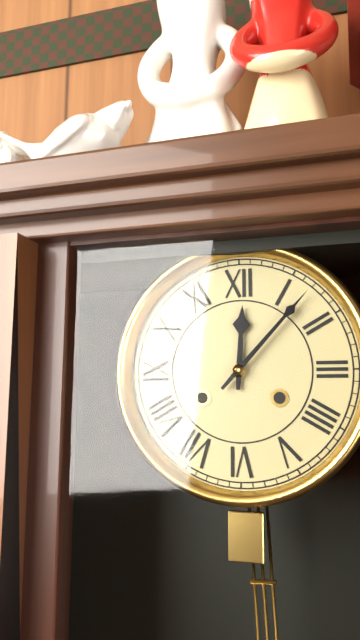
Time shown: {"hour": 12, "minute": 7}
